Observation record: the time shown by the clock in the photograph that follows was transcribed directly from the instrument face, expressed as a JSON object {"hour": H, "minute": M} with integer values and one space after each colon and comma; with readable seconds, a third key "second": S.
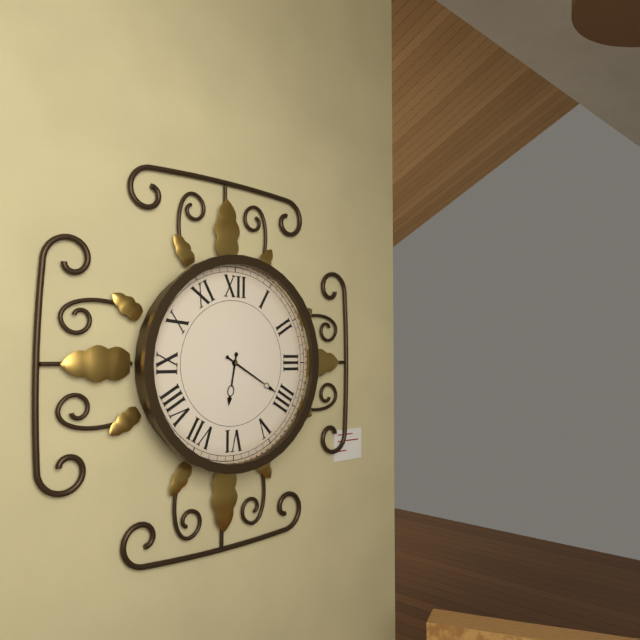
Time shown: {"hour": 6, "minute": 20}
